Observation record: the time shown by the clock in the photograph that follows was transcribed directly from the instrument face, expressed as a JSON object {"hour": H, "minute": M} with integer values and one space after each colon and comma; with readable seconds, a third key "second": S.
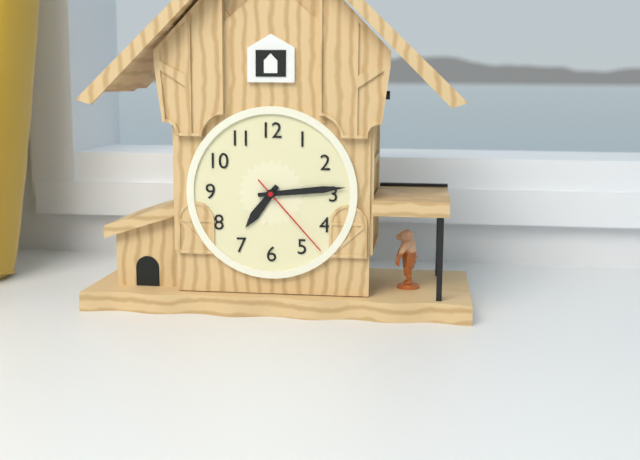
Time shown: {"hour": 7, "minute": 14, "second": 23}
